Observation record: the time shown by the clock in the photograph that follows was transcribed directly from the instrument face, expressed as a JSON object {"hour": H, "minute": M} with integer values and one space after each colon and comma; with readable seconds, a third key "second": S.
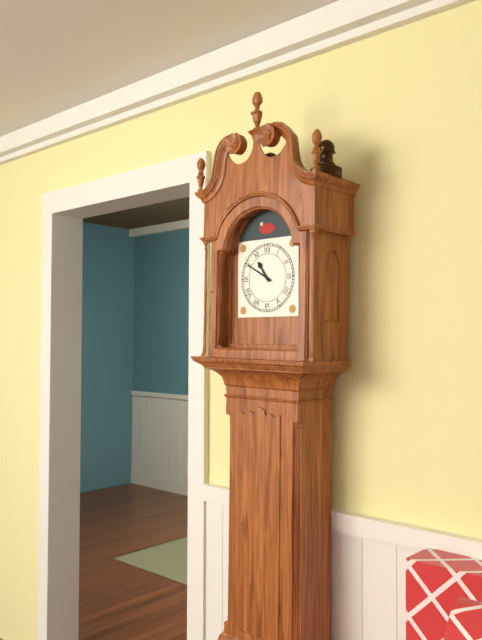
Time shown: {"hour": 10, "minute": 50}
